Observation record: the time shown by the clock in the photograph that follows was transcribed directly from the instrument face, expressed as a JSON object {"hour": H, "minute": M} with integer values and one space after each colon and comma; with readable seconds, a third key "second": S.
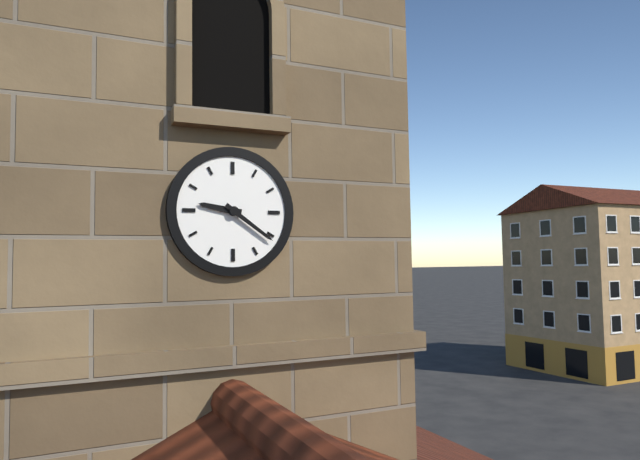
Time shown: {"hour": 9, "minute": 21}
